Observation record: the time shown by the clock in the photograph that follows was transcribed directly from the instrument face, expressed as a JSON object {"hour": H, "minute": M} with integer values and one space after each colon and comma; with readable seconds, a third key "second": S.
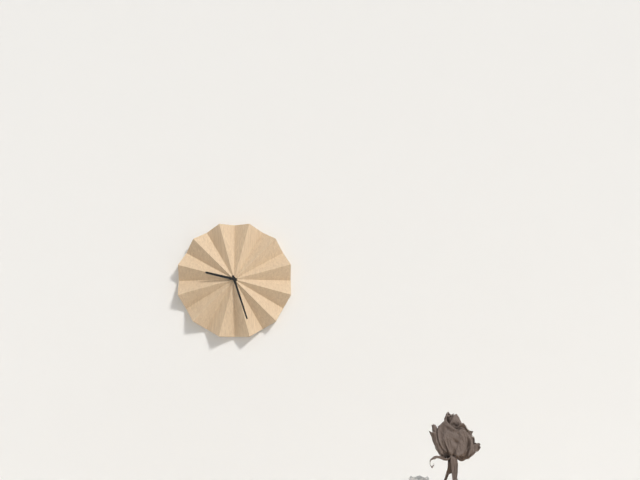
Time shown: {"hour": 9, "minute": 27}
